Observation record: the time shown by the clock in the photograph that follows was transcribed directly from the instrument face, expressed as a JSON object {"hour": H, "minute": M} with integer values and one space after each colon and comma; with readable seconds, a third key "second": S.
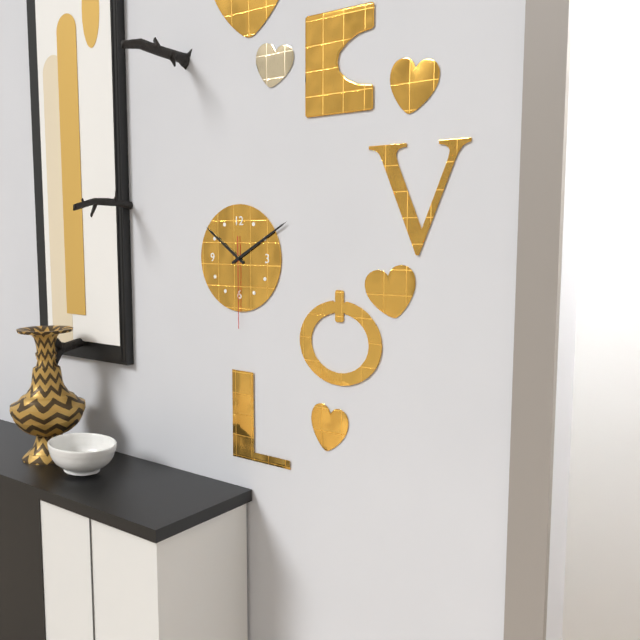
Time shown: {"hour": 10, "minute": 10, "second": 30}
